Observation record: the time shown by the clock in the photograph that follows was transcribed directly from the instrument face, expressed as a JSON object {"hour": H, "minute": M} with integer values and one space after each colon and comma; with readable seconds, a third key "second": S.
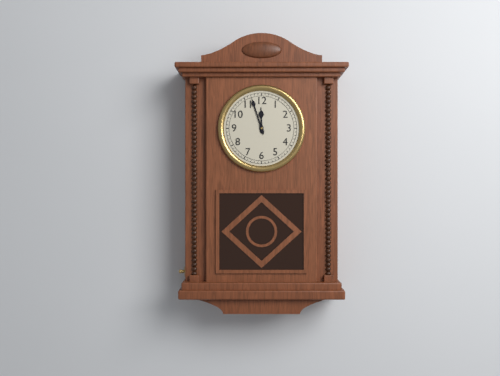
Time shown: {"hour": 11, "minute": 57}
